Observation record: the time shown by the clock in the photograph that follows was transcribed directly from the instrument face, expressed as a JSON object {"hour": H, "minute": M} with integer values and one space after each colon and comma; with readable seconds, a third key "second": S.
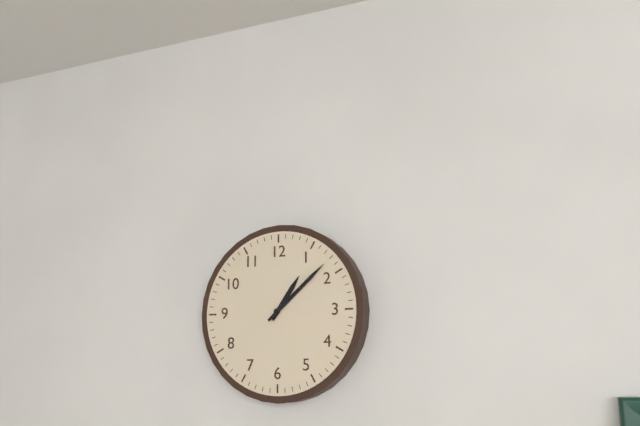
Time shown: {"hour": 1, "minute": 8}
